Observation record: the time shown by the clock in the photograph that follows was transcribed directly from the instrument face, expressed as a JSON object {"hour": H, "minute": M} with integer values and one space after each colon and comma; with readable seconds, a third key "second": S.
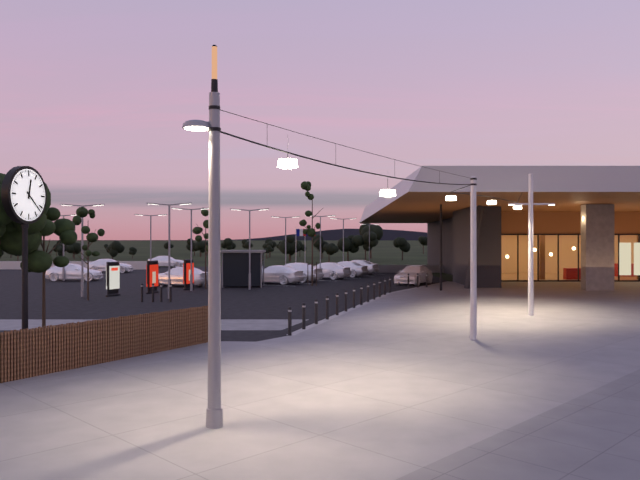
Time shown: {"hour": 12, "minute": 22}
